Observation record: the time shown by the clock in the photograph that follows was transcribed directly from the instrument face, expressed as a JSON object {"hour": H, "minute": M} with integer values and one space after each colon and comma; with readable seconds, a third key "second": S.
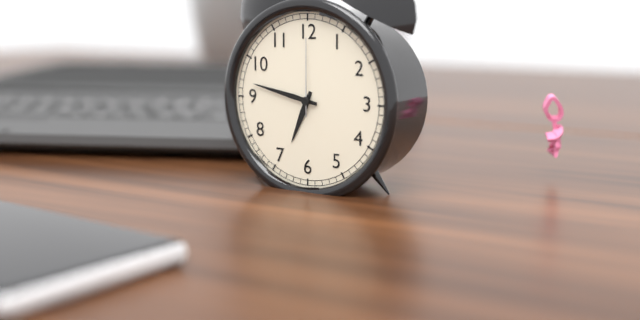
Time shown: {"hour": 6, "minute": 47, "second": 0}
